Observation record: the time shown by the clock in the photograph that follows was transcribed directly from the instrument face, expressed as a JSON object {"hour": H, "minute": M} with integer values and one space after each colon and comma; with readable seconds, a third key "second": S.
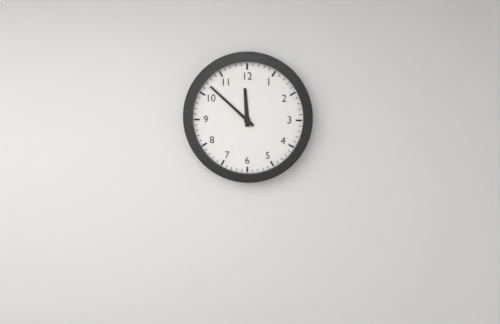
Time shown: {"hour": 11, "minute": 52}
